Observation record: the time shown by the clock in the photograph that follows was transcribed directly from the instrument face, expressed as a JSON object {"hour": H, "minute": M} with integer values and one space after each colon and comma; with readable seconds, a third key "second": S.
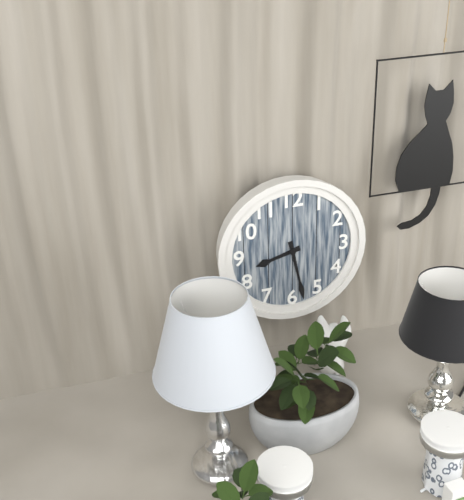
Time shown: {"hour": 8, "minute": 28}
